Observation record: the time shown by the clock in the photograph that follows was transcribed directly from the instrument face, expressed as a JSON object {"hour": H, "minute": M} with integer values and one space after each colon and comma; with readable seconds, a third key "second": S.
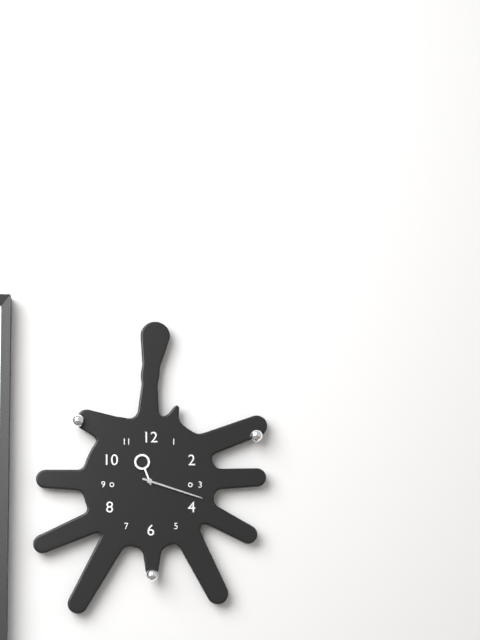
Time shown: {"hour": 11, "minute": 18}
